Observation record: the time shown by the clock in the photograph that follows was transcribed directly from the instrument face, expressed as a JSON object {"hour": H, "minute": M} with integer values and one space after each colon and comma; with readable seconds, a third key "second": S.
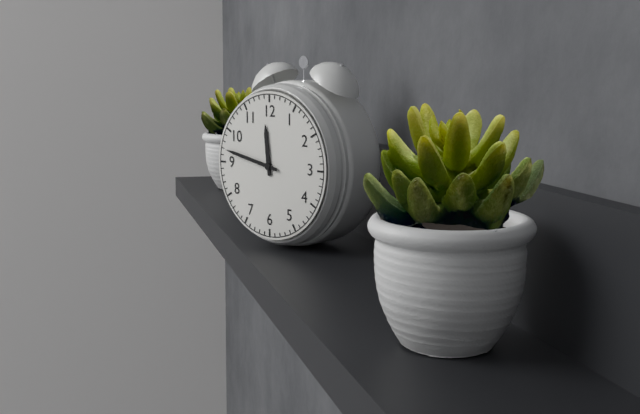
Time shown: {"hour": 11, "minute": 47}
